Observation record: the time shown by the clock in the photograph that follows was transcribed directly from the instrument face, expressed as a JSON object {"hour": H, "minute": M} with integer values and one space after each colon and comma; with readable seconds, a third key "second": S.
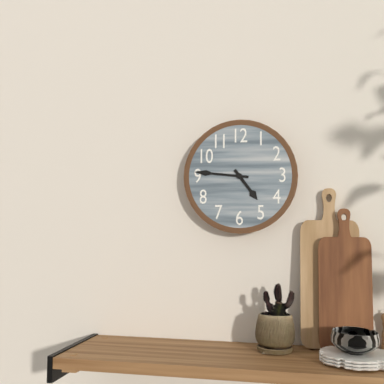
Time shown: {"hour": 4, "minute": 46}
